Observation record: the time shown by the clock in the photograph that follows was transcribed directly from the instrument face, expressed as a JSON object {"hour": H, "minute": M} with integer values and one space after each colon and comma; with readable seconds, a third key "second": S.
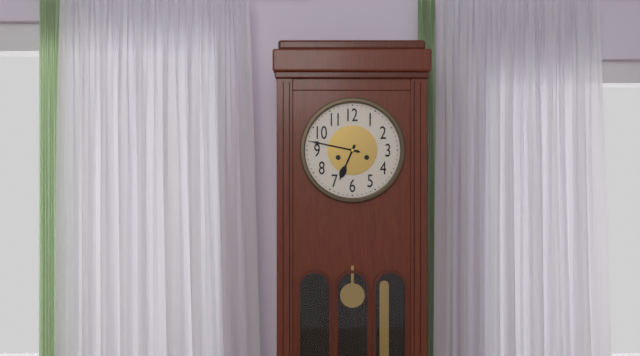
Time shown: {"hour": 6, "minute": 47}
